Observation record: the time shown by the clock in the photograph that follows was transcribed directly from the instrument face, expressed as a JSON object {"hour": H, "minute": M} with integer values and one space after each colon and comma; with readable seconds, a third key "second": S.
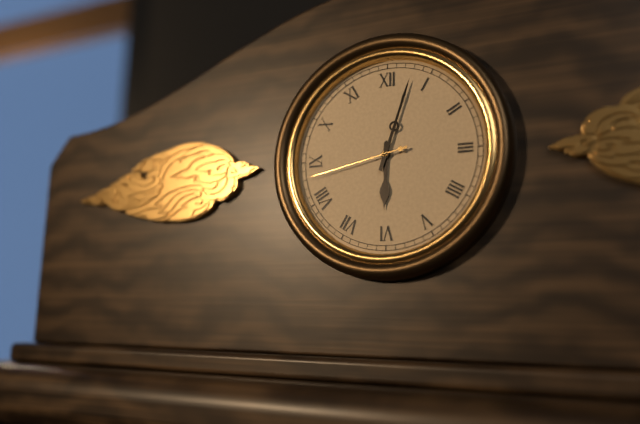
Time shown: {"hour": 6, "minute": 3, "second": 43}
